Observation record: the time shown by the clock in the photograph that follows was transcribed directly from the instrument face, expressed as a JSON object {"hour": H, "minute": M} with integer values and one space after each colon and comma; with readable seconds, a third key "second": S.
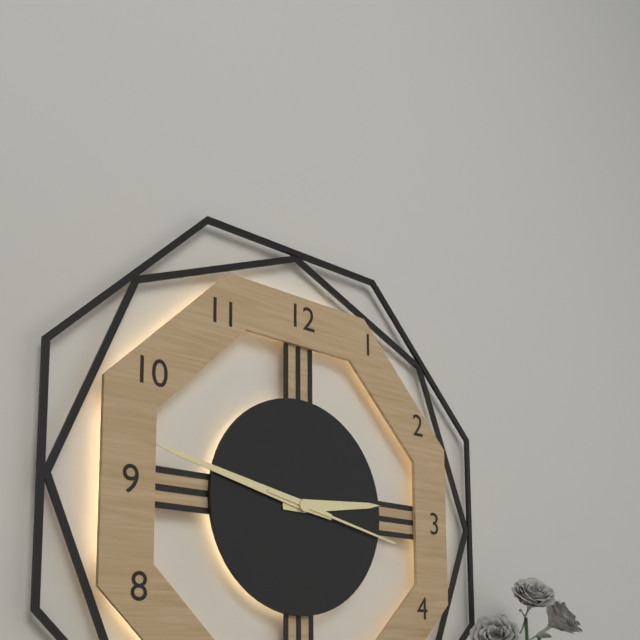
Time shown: {"hour": 2, "minute": 47, "second": 17}
